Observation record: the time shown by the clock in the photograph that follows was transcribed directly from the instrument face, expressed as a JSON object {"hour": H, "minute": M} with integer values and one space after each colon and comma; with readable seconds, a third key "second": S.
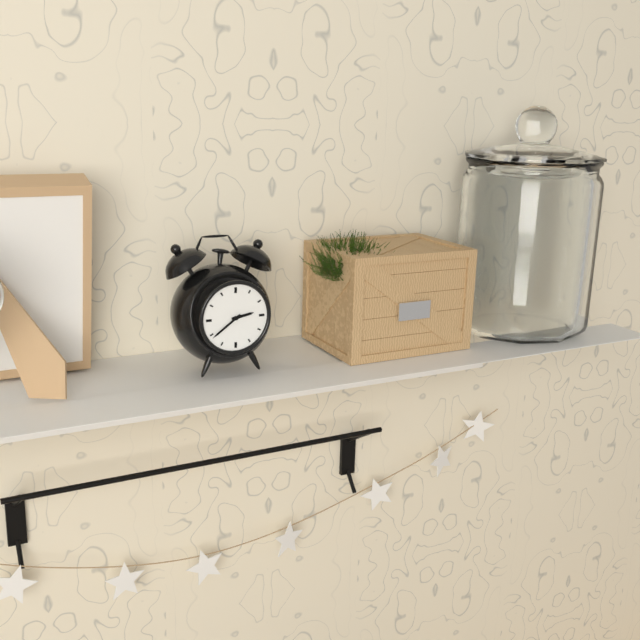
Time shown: {"hour": 2, "minute": 39}
